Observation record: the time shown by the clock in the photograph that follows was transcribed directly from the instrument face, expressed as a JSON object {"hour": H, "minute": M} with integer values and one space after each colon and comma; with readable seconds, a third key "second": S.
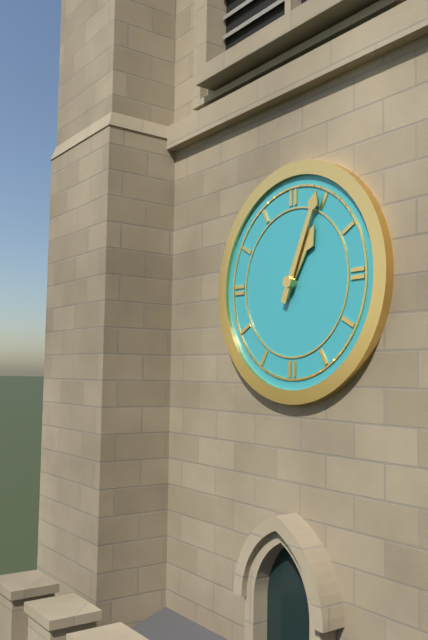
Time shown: {"hour": 1, "minute": 4}
